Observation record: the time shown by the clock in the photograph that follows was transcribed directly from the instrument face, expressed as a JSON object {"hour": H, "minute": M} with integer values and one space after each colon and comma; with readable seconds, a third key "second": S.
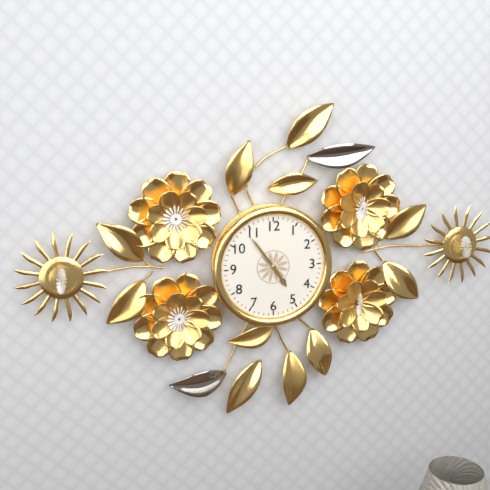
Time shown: {"hour": 4, "minute": 54}
